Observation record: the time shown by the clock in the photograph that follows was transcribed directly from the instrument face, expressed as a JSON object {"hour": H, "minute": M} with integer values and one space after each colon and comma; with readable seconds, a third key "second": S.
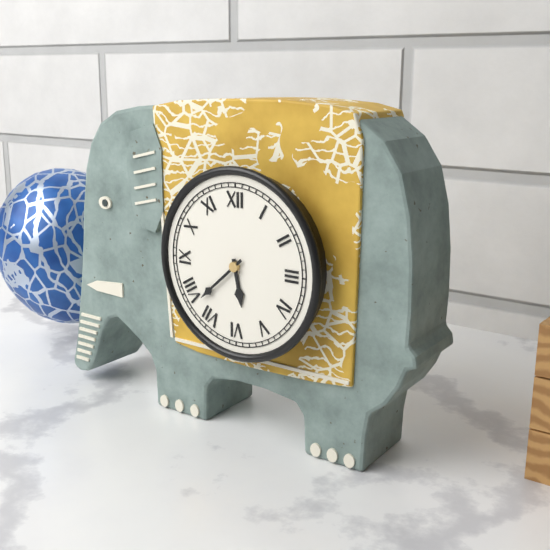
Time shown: {"hour": 5, "minute": 38}
